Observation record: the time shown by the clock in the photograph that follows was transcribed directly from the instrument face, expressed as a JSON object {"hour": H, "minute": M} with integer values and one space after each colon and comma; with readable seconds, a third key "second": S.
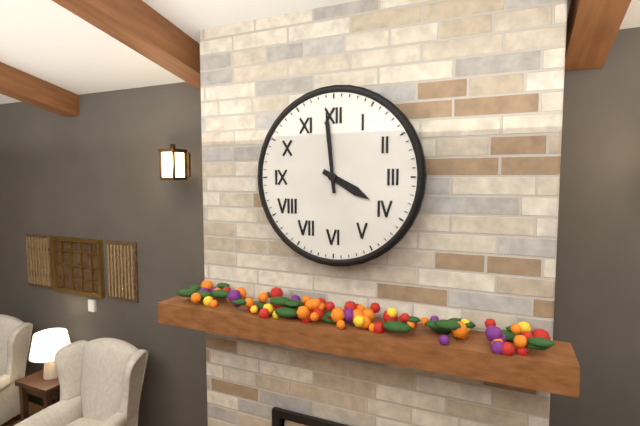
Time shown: {"hour": 3, "minute": 59}
